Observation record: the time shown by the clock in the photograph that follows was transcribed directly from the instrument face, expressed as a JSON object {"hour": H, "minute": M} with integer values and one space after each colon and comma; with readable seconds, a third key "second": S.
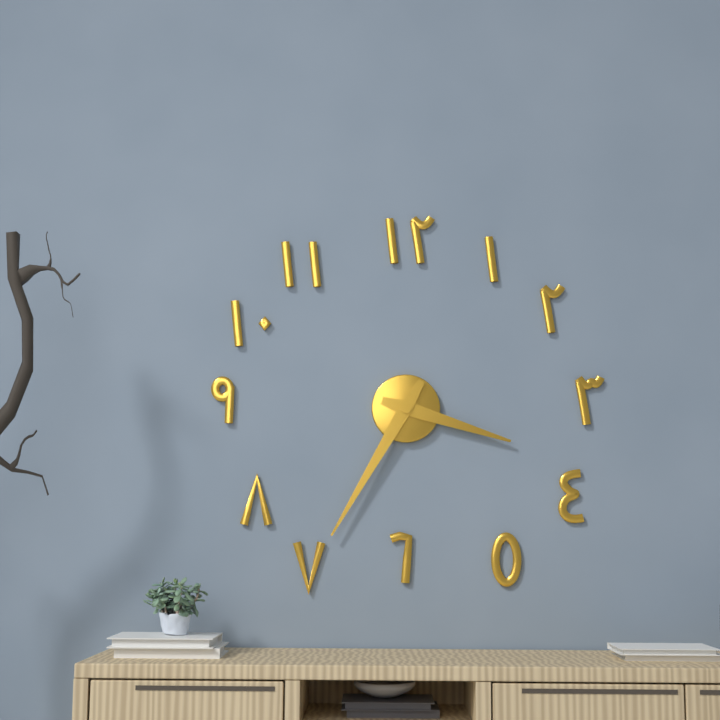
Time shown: {"hour": 3, "minute": 35}
